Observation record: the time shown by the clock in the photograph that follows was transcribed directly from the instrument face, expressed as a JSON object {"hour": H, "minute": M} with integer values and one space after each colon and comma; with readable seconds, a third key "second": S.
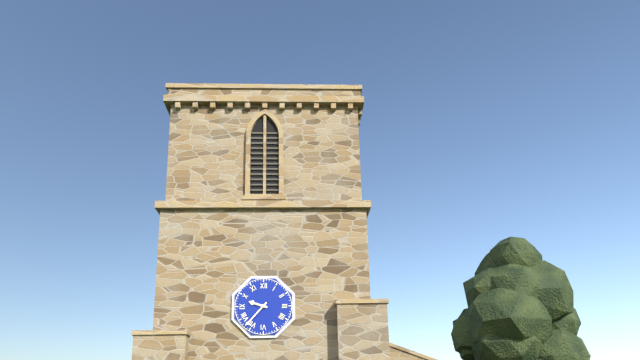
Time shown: {"hour": 9, "minute": 37}
